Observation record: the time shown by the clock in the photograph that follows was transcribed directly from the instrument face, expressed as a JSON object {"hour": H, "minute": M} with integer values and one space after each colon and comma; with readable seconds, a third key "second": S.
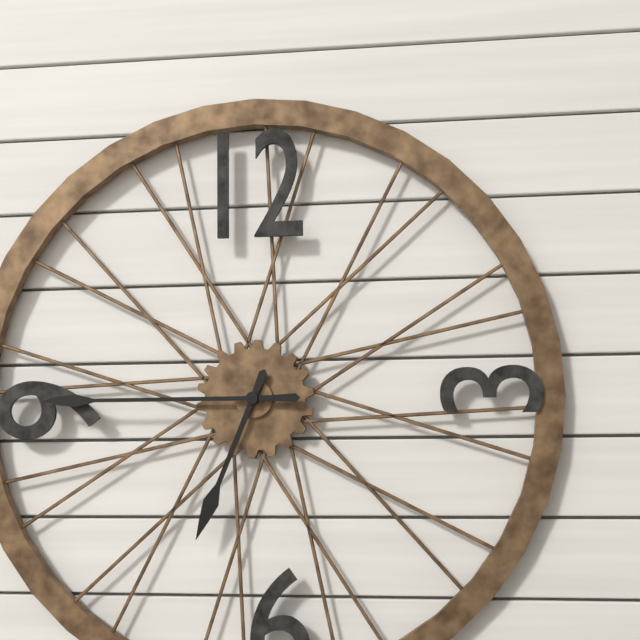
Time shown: {"hour": 6, "minute": 45}
